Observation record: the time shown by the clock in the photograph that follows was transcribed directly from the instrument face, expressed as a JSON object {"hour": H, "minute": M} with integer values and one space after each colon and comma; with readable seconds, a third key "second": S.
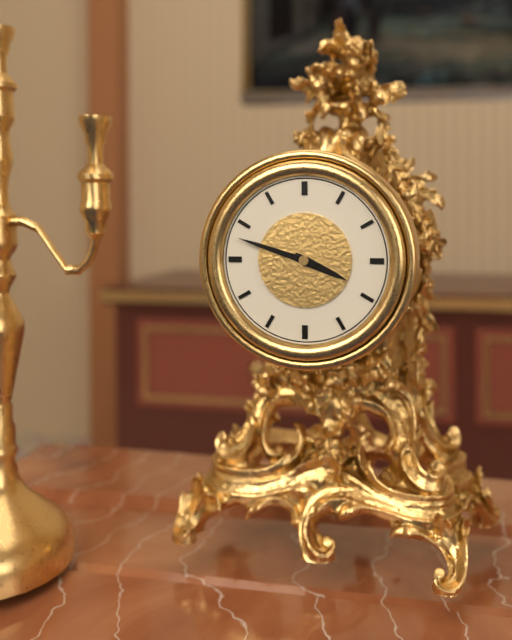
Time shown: {"hour": 3, "minute": 48}
